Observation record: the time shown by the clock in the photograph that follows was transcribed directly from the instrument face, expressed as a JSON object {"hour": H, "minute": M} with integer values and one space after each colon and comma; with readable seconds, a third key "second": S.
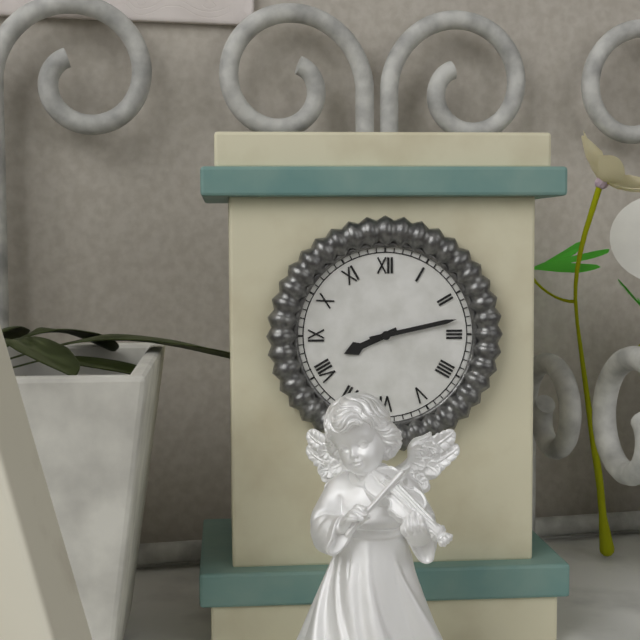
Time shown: {"hour": 8, "minute": 13}
